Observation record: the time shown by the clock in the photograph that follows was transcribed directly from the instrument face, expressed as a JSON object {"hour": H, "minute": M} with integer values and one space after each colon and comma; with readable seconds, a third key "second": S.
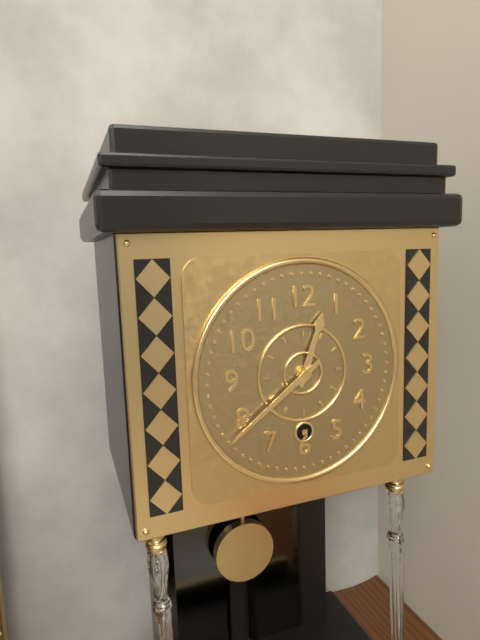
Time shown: {"hour": 12, "minute": 39}
